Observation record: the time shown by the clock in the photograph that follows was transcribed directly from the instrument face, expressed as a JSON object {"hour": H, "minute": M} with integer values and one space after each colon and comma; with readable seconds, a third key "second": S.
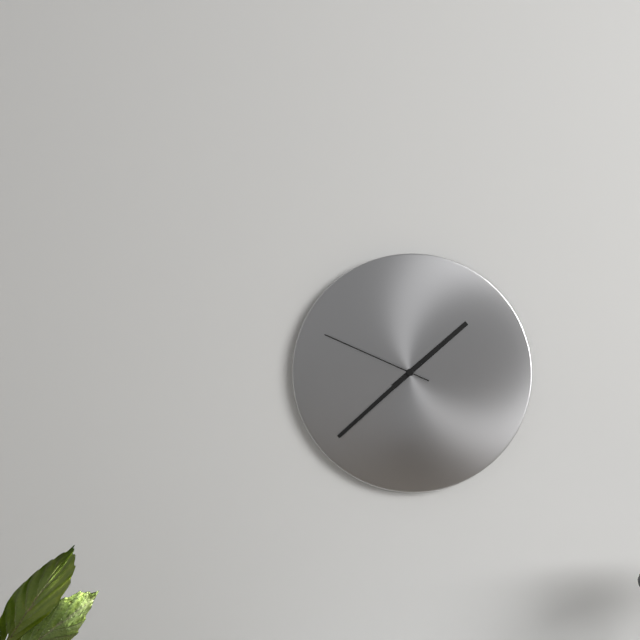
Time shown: {"hour": 1, "minute": 38, "second": 49}
